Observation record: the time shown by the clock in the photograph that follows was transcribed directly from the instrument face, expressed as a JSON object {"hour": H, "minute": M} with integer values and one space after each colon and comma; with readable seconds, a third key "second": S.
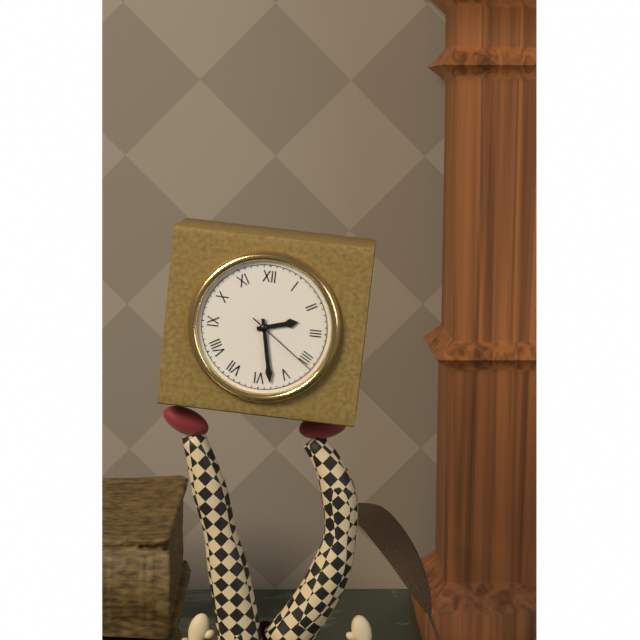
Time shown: {"hour": 2, "minute": 28, "second": 21}
